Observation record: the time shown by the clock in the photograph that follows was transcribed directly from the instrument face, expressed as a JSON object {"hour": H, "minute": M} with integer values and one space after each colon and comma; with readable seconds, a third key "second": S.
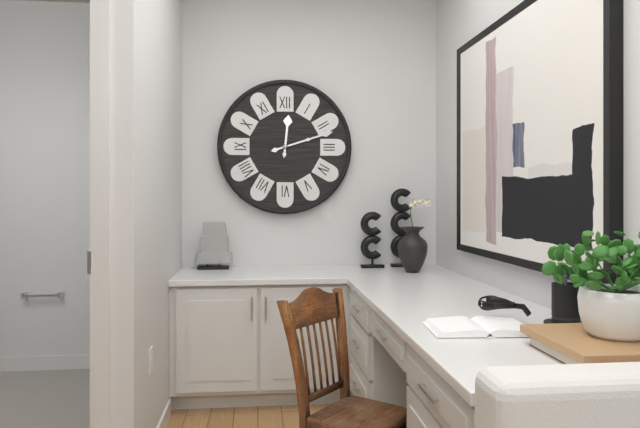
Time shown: {"hour": 12, "minute": 12}
